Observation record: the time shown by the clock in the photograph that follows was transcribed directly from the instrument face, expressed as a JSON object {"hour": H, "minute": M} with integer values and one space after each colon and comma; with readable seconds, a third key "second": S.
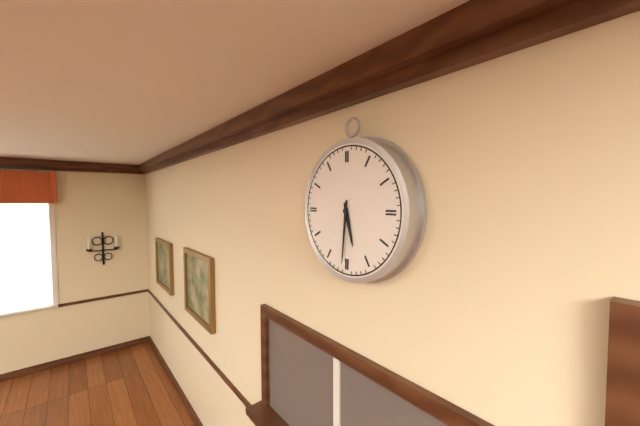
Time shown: {"hour": 5, "minute": 31}
